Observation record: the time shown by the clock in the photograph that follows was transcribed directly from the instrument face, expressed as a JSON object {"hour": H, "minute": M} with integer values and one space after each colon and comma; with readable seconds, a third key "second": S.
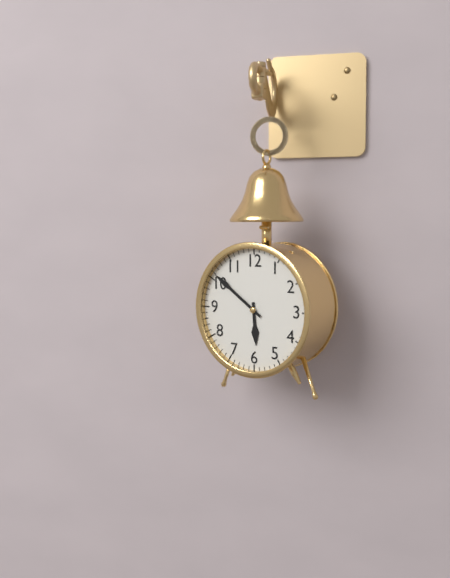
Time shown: {"hour": 5, "minute": 51}
